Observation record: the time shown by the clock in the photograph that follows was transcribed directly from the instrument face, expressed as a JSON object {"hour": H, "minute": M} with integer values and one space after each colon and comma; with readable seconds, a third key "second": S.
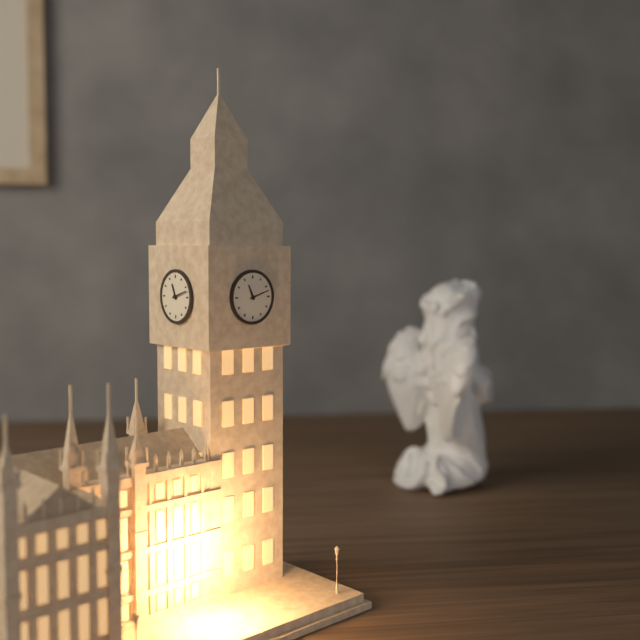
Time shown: {"hour": 11, "minute": 12}
